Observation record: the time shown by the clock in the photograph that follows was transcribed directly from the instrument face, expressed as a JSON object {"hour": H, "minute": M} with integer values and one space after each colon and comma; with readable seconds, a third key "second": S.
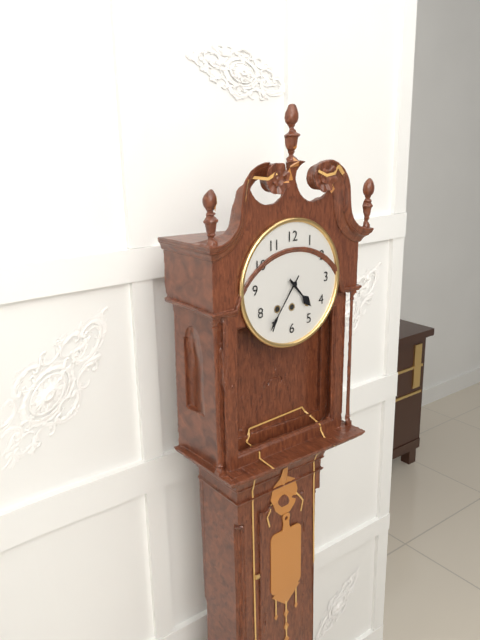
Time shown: {"hour": 4, "minute": 36}
